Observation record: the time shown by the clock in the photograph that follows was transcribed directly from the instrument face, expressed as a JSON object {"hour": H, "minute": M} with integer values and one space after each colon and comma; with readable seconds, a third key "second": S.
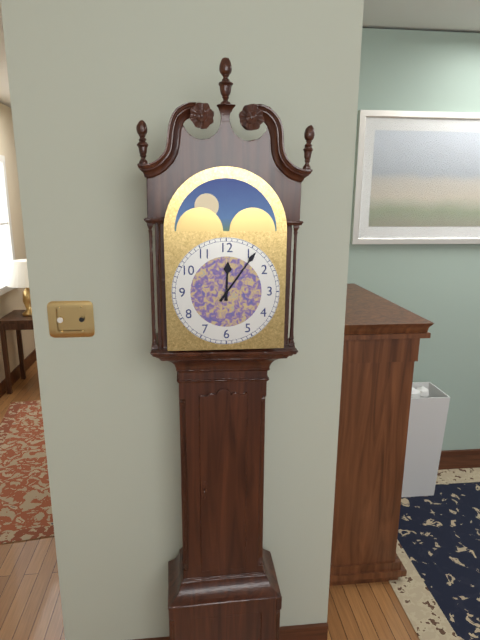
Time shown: {"hour": 12, "minute": 6}
